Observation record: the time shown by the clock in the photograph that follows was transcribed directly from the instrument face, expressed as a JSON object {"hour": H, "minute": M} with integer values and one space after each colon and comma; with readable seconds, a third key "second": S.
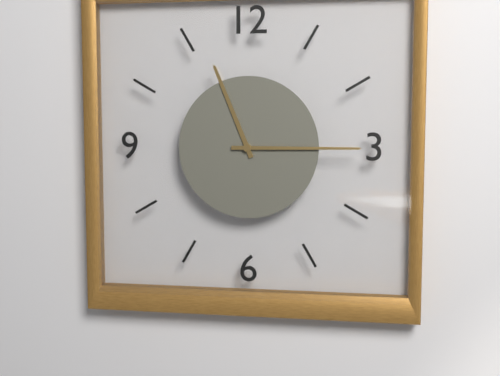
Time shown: {"hour": 11, "minute": 15}
